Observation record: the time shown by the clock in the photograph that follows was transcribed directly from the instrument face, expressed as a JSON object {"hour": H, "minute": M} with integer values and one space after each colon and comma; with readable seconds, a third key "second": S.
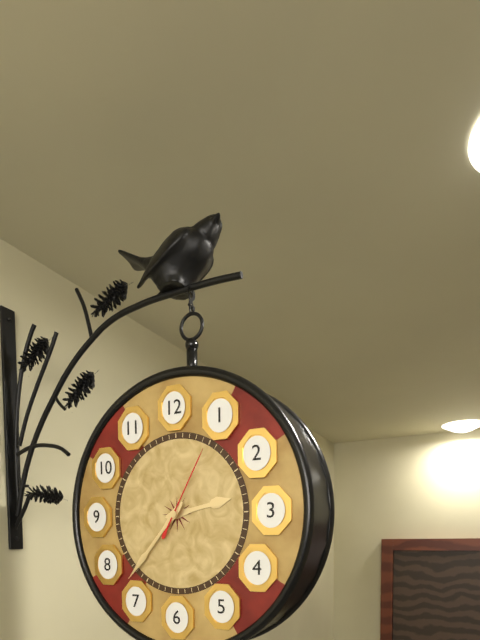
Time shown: {"hour": 2, "minute": 37, "second": 5}
